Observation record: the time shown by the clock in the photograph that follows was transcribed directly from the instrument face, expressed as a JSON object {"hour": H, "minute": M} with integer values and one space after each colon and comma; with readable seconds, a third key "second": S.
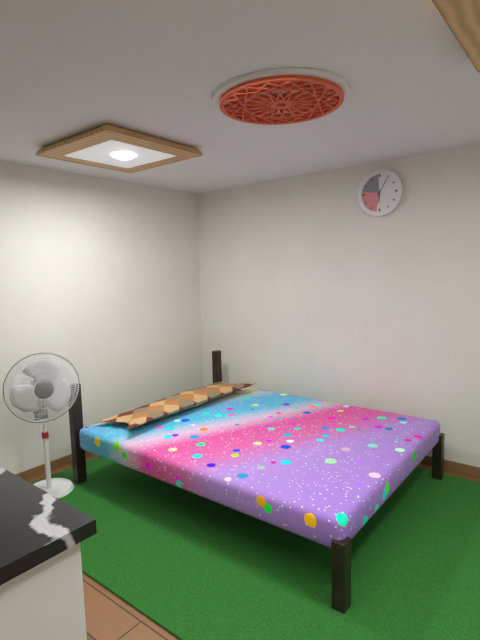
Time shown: {"hour": 6, "minute": 5}
